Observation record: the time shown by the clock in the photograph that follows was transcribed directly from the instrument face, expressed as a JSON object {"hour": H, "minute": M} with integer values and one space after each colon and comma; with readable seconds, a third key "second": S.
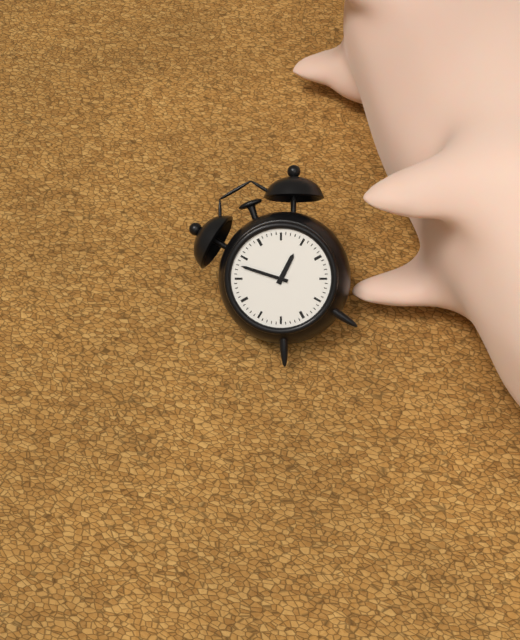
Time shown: {"hour": 1, "minute": 53}
